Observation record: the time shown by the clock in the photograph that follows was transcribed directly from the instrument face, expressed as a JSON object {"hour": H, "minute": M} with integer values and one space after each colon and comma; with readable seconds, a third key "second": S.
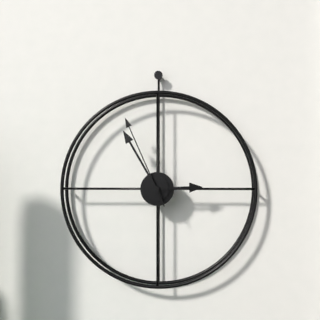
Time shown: {"hour": 2, "minute": 55, "second": 56}
